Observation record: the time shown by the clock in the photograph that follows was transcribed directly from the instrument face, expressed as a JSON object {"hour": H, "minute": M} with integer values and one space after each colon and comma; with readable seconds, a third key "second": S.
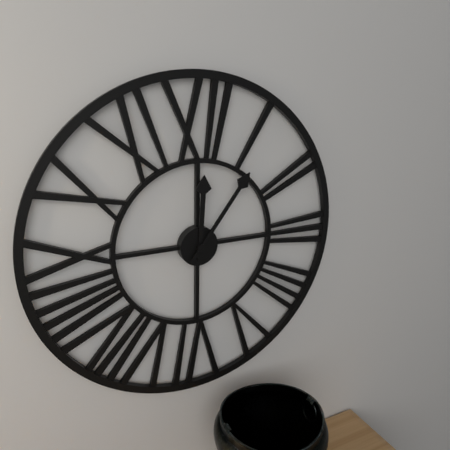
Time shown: {"hour": 12, "minute": 6}
